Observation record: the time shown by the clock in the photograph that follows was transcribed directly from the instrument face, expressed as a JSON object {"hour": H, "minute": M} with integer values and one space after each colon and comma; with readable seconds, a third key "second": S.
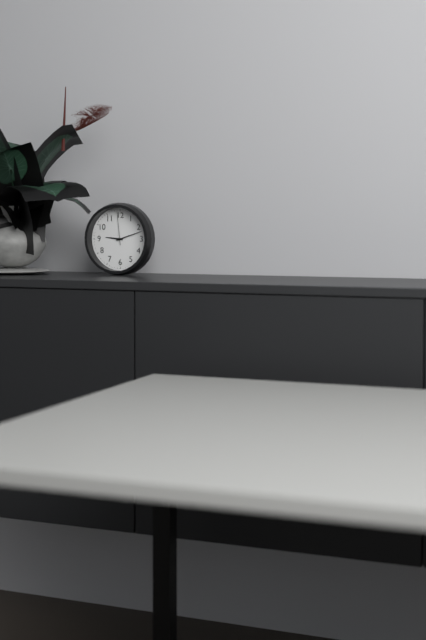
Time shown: {"hour": 9, "minute": 12}
